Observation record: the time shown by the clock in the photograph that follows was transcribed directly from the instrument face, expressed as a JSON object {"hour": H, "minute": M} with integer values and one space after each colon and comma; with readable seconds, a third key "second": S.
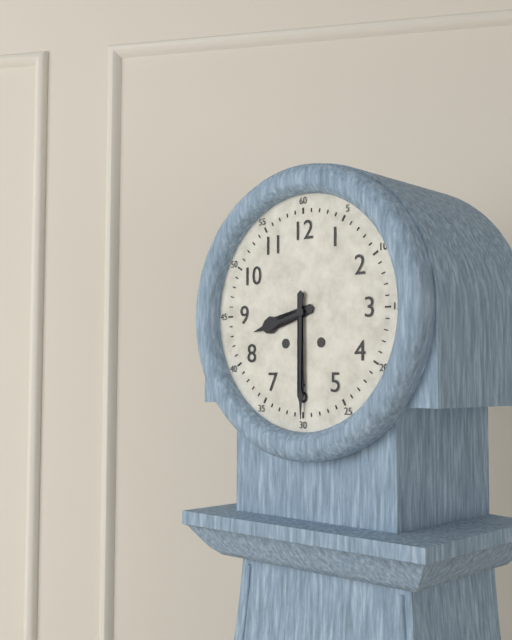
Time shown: {"hour": 8, "minute": 30}
